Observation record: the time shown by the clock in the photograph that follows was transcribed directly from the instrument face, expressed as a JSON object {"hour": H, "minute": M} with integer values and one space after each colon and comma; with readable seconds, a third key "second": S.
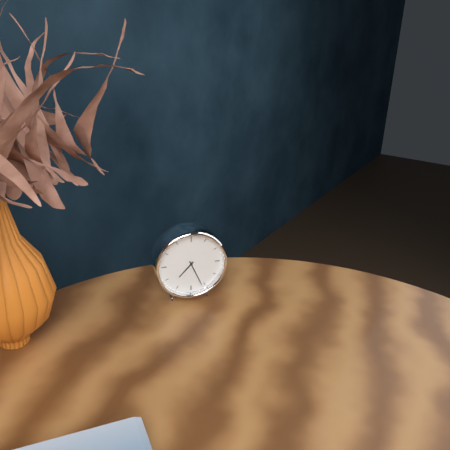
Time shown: {"hour": 7, "minute": 26}
